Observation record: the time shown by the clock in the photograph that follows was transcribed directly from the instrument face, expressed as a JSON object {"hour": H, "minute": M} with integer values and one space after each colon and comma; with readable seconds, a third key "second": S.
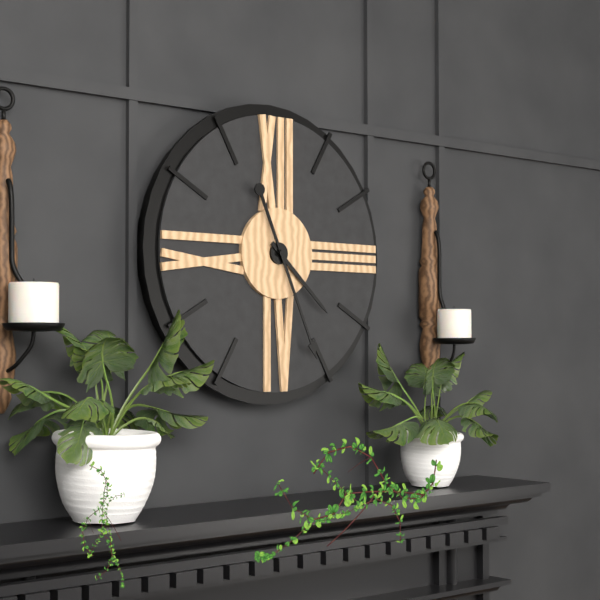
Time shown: {"hour": 4, "minute": 26}
